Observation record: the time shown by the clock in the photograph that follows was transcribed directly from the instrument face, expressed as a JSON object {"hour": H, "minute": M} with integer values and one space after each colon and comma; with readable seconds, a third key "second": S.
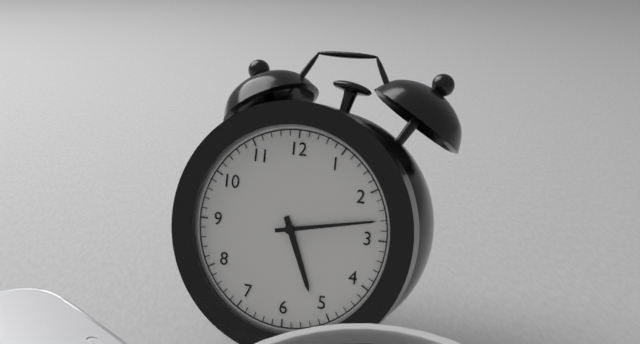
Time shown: {"hour": 5, "minute": 13}
